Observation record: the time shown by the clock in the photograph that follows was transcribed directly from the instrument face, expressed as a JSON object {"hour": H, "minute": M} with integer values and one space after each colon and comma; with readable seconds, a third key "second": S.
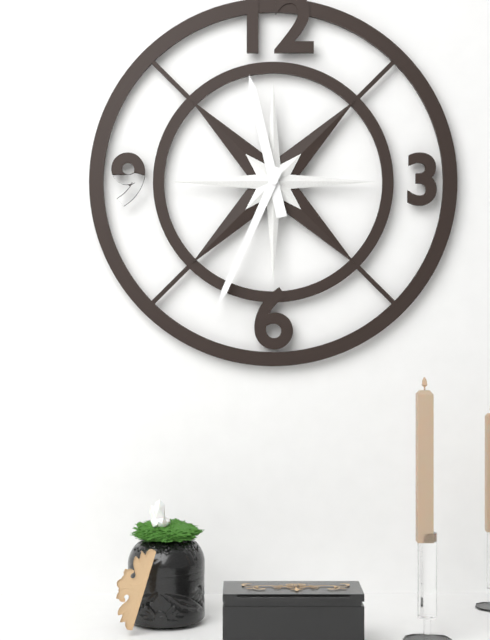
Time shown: {"hour": 11, "minute": 34}
